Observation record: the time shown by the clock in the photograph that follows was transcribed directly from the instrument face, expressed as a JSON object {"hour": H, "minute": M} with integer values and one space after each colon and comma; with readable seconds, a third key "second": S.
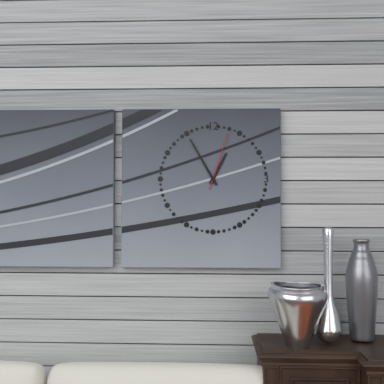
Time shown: {"hour": 12, "minute": 55, "second": 3}
